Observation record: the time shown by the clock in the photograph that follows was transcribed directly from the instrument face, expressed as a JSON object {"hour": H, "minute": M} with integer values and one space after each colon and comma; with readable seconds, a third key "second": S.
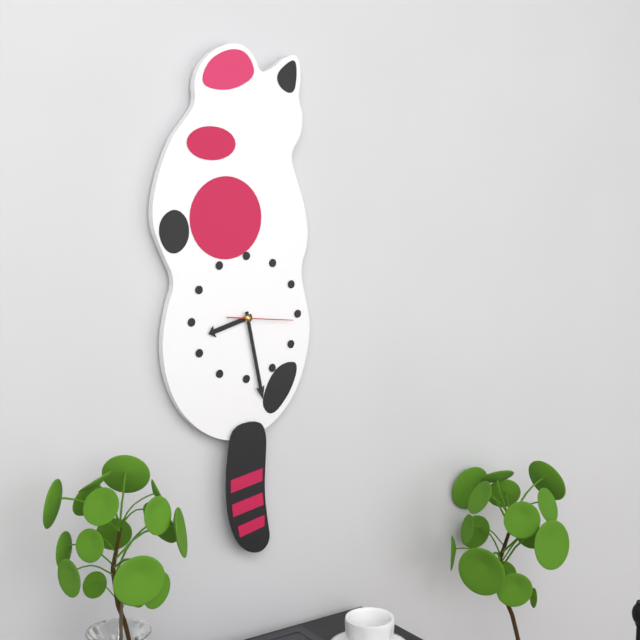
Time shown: {"hour": 8, "minute": 28, "second": 16}
